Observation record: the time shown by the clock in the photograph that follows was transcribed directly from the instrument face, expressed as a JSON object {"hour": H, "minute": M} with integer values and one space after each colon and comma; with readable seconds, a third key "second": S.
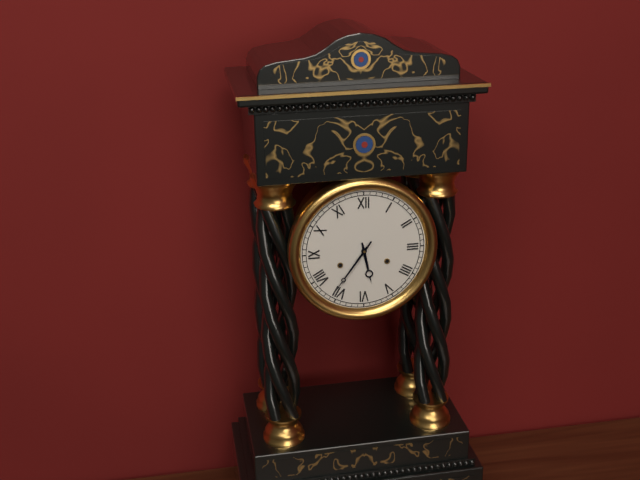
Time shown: {"hour": 5, "minute": 36}
